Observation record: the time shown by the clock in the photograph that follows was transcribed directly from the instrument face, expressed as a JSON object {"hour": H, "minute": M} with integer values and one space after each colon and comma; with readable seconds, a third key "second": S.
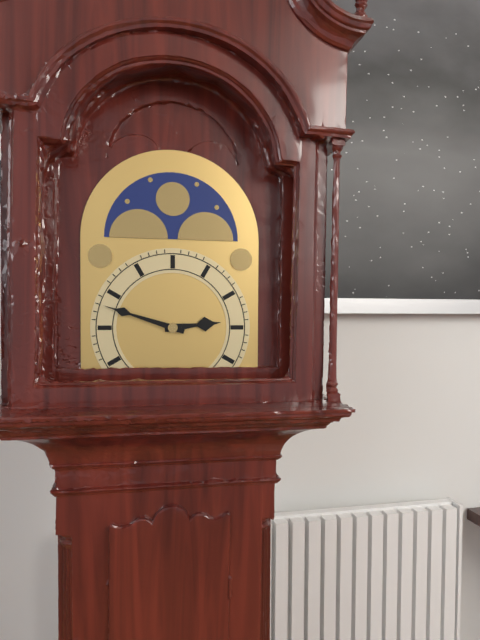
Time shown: {"hour": 2, "minute": 48}
